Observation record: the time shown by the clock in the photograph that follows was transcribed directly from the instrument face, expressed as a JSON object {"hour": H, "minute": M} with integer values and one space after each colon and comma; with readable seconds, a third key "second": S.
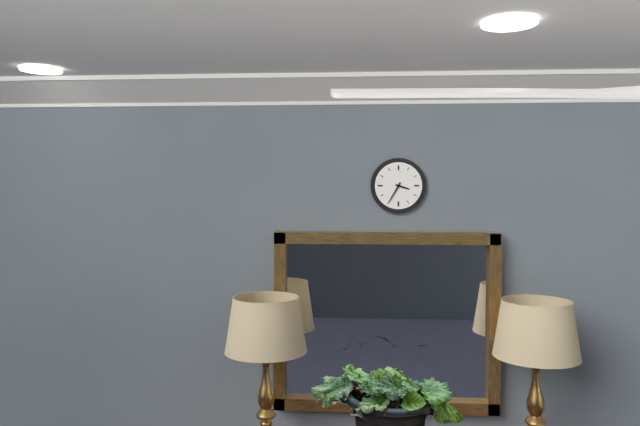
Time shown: {"hour": 3, "minute": 35}
